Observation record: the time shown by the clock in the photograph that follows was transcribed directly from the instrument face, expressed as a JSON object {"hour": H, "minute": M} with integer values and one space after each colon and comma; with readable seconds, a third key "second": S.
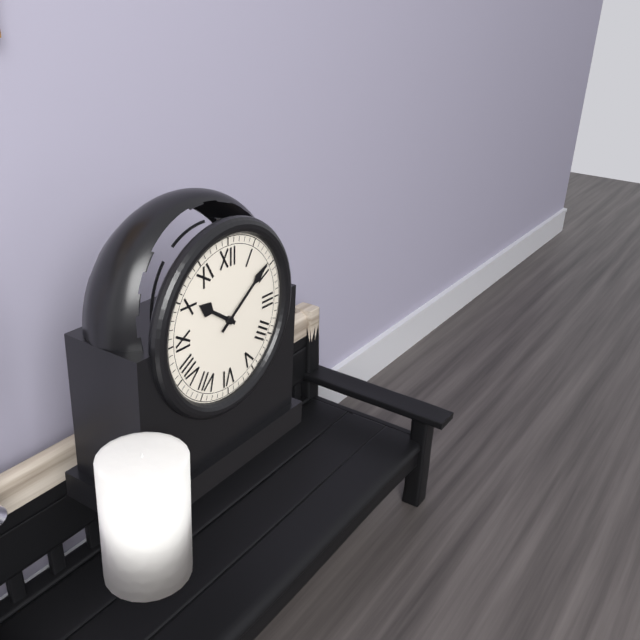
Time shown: {"hour": 10, "minute": 9}
